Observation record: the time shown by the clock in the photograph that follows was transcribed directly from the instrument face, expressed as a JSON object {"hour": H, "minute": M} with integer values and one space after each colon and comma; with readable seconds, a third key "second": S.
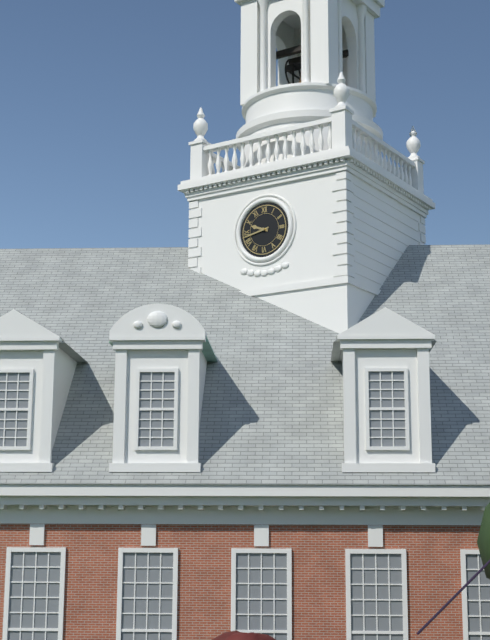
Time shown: {"hour": 9, "minute": 43}
